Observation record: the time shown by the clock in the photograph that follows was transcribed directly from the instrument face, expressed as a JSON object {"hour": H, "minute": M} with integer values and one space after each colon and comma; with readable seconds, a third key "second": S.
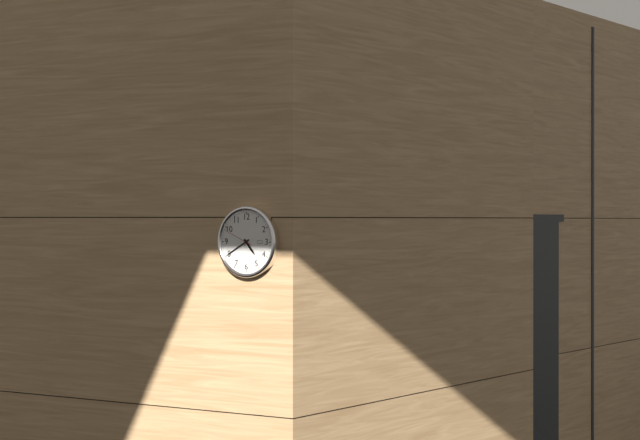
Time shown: {"hour": 4, "minute": 40}
